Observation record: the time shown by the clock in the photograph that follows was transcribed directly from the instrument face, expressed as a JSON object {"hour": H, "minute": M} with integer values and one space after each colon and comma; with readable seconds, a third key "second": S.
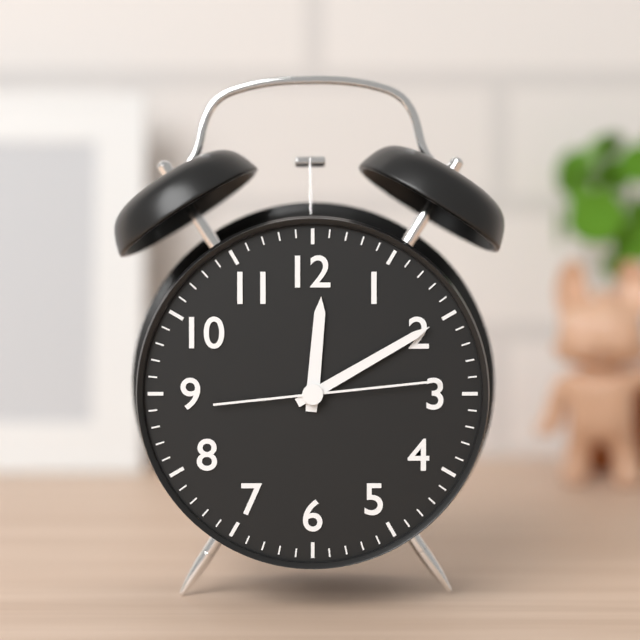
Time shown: {"hour": 12, "minute": 10, "second": 14}
